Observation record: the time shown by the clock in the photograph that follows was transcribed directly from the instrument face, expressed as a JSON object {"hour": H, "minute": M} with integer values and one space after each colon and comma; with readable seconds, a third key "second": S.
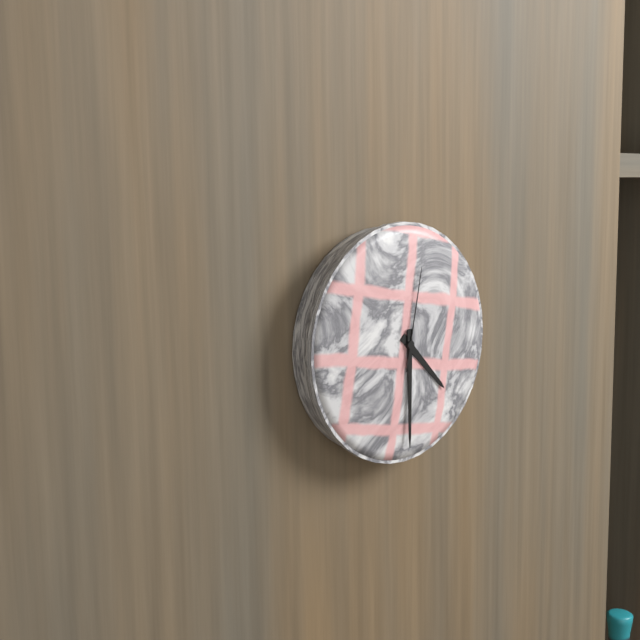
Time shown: {"hour": 4, "minute": 30, "second": 2}
